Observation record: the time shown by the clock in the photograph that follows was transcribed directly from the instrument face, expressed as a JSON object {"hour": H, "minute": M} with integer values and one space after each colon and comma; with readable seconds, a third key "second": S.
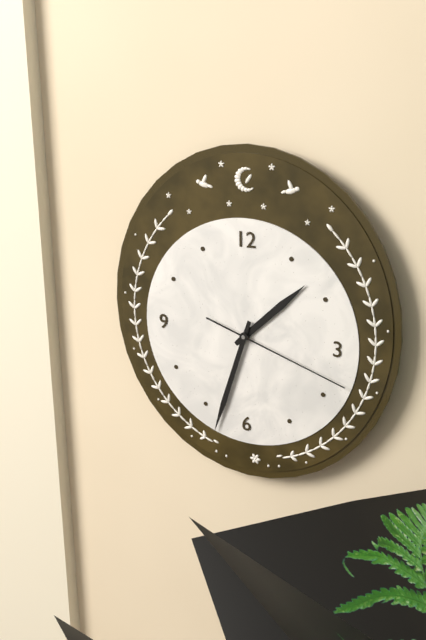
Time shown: {"hour": 1, "minute": 33, "second": 18}
